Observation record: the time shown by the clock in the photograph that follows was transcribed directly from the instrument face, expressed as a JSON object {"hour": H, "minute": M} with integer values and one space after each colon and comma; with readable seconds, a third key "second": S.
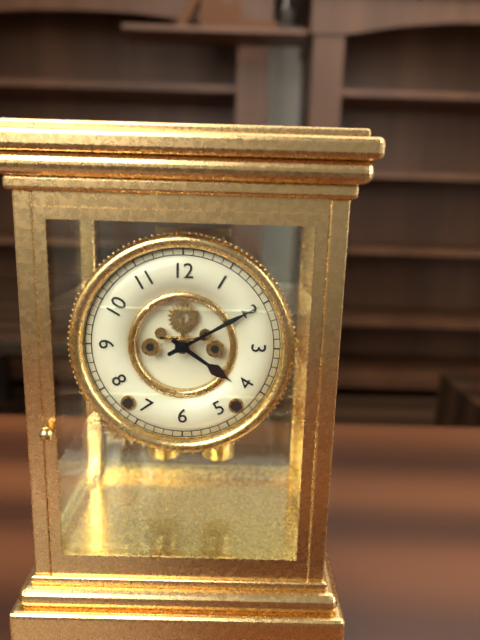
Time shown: {"hour": 4, "minute": 10}
